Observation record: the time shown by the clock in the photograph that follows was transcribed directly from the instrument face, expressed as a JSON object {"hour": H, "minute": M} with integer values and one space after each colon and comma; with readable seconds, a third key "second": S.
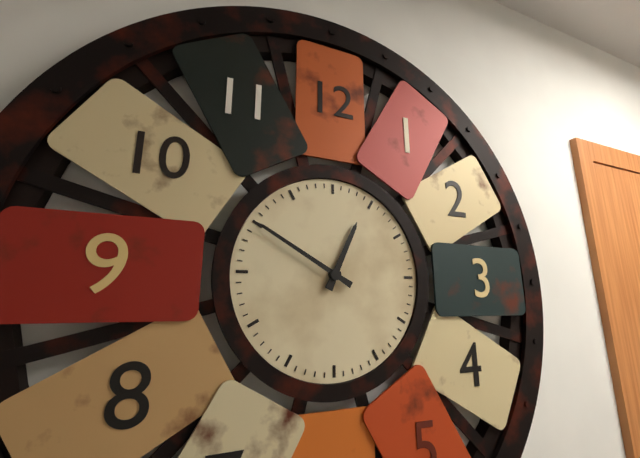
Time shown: {"hour": 12, "minute": 50}
